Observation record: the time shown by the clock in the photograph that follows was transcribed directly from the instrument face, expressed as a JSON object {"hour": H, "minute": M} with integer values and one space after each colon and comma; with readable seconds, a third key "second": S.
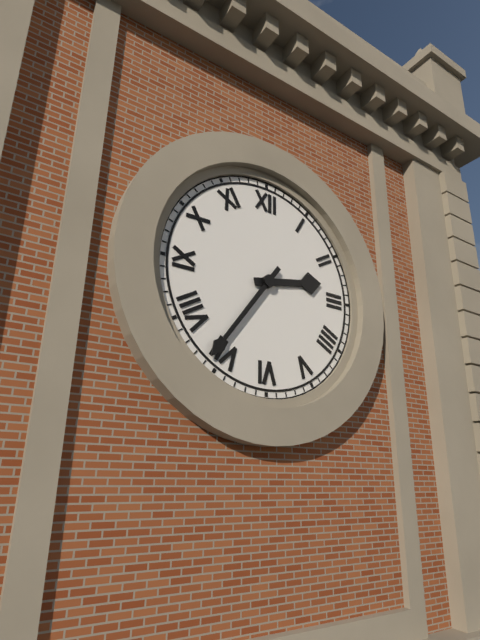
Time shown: {"hour": 2, "minute": 36}
